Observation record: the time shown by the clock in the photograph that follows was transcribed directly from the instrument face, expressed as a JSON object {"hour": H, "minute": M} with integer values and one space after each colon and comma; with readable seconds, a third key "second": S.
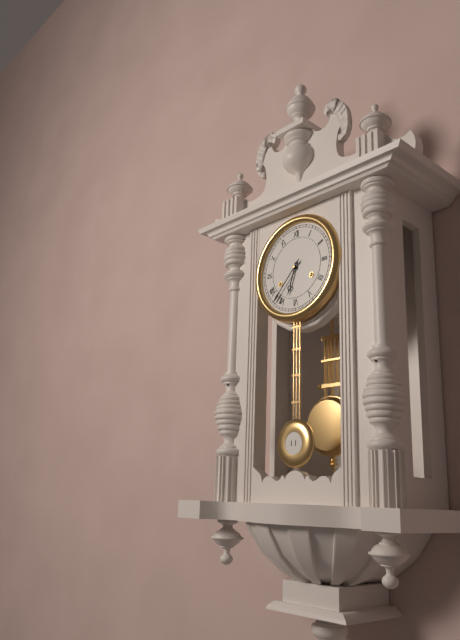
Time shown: {"hour": 6, "minute": 37}
